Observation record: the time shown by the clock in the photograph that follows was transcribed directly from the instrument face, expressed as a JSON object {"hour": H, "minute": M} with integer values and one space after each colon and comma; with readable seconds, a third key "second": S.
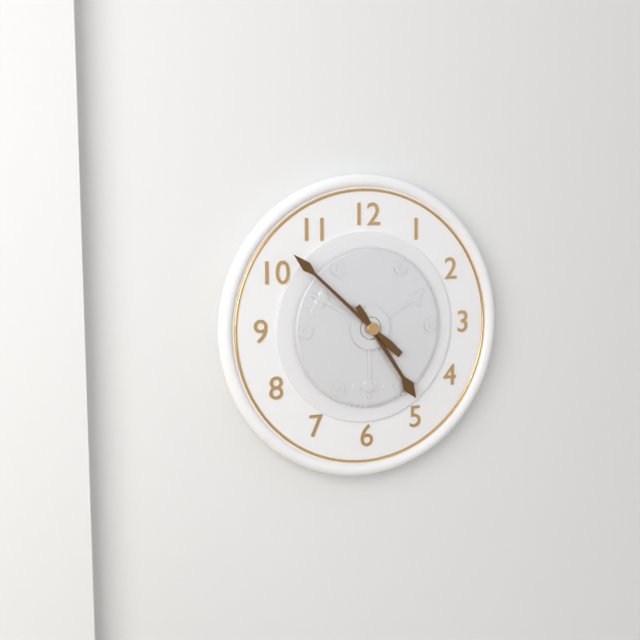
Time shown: {"hour": 4, "minute": 52}
